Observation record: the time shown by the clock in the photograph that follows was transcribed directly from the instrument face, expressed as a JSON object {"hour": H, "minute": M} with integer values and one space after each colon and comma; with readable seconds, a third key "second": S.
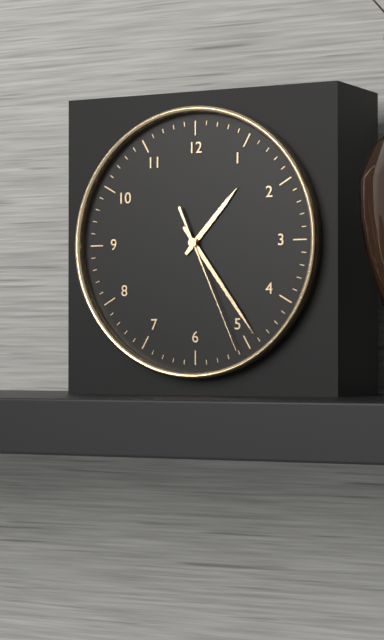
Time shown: {"hour": 1, "minute": 24, "second": 26}
